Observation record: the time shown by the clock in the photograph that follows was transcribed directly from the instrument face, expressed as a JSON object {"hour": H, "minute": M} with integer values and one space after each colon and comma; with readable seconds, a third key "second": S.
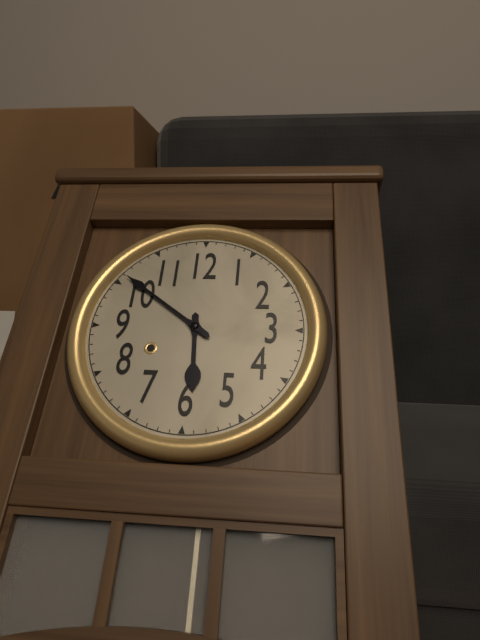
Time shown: {"hour": 5, "minute": 51}
